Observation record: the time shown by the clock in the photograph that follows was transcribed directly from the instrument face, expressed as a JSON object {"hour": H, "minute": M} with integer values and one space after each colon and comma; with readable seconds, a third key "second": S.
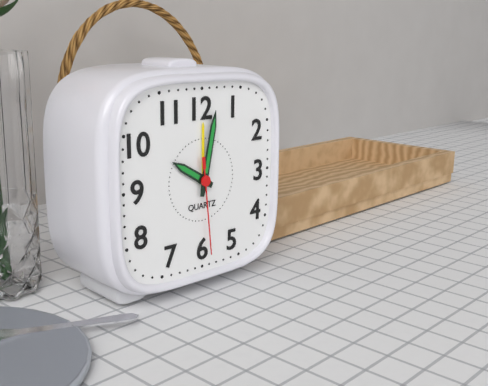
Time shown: {"hour": 10, "minute": 2, "second": 29}
